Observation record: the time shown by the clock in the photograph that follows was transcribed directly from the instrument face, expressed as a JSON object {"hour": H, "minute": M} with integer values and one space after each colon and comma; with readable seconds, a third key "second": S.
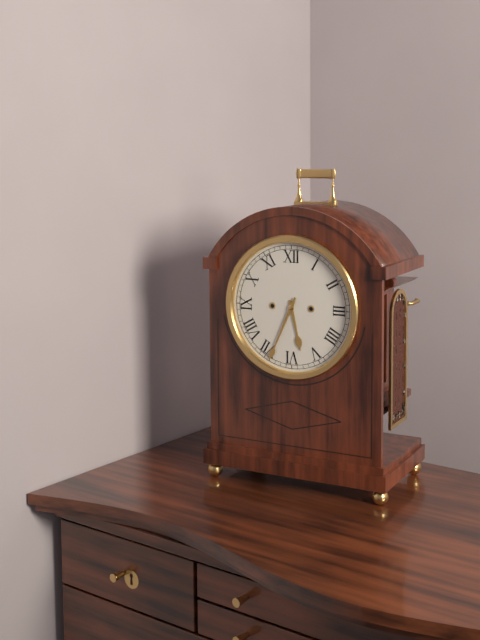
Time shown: {"hour": 5, "minute": 34}
